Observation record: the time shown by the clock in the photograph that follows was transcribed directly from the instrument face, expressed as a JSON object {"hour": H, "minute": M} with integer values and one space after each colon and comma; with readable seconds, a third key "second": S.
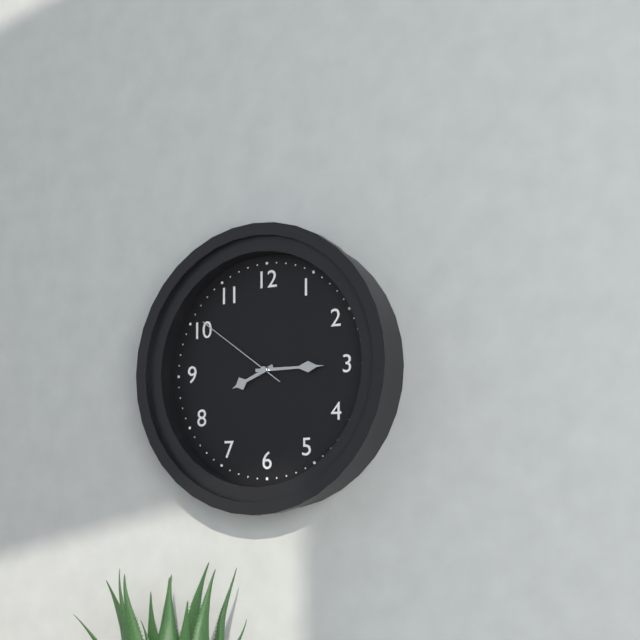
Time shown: {"hour": 8, "minute": 15, "second": 51}
